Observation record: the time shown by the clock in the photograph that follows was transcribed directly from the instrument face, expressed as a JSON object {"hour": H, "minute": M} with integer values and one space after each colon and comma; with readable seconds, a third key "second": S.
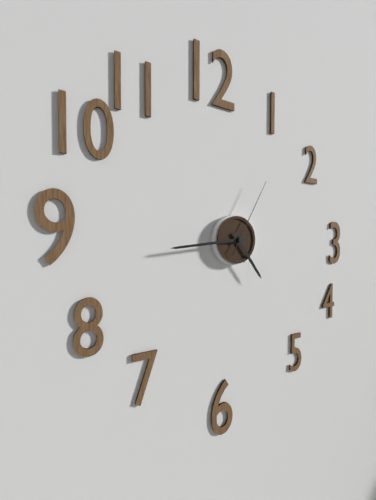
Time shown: {"hour": 4, "minute": 44, "second": 5}
